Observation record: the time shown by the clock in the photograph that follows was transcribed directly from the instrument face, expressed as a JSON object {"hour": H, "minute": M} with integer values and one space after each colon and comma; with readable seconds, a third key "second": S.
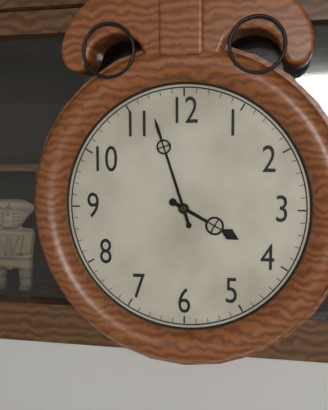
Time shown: {"hour": 3, "minute": 57}
